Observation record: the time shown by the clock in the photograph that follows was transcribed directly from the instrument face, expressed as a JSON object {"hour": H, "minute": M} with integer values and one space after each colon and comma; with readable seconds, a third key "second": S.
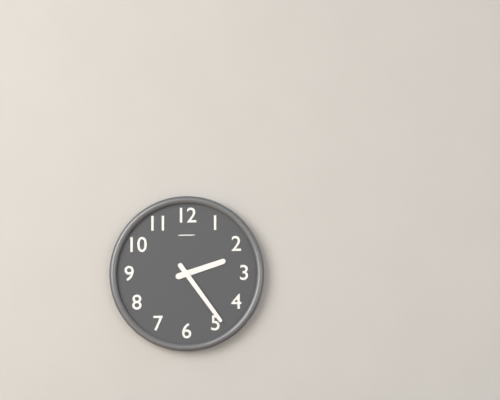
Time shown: {"hour": 2, "minute": 24}
